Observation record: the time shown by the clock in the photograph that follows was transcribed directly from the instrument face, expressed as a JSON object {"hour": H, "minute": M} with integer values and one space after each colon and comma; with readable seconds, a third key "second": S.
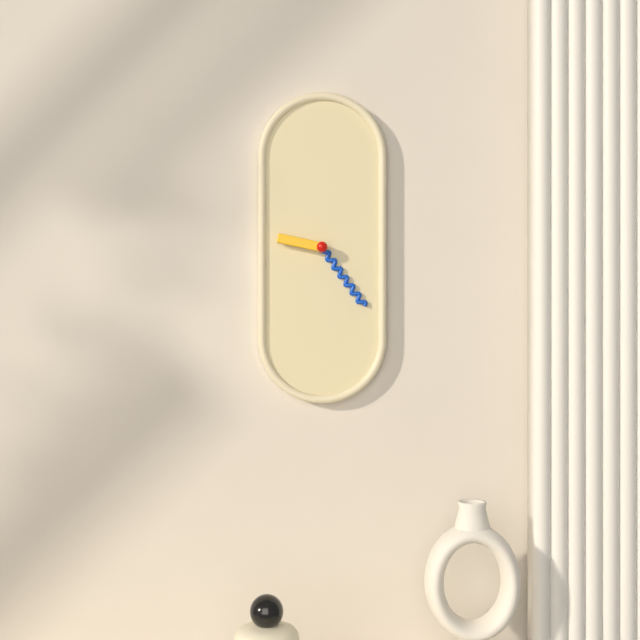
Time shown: {"hour": 9, "minute": 24}
